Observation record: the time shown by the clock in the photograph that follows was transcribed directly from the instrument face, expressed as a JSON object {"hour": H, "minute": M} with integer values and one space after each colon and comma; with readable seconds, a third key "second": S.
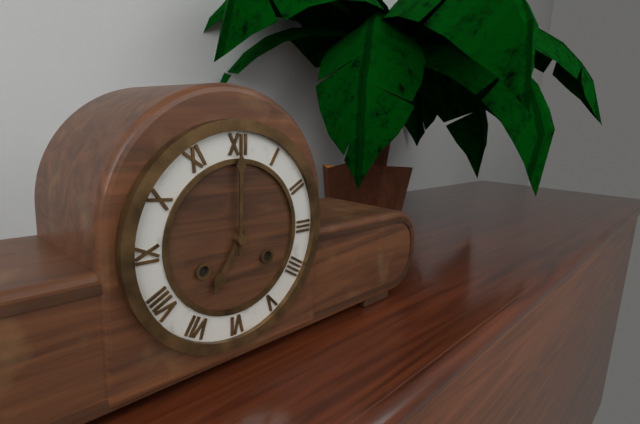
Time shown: {"hour": 7, "minute": 0}
